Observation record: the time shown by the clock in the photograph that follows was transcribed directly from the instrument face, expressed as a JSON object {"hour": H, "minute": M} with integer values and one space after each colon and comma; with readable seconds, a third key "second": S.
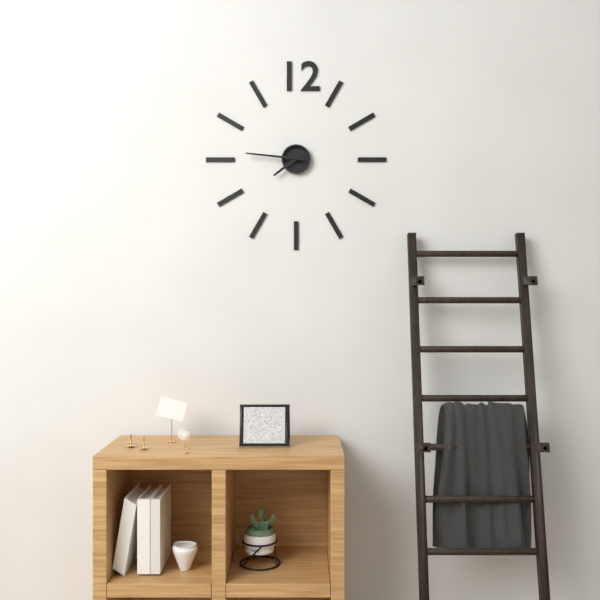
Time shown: {"hour": 7, "minute": 46}
